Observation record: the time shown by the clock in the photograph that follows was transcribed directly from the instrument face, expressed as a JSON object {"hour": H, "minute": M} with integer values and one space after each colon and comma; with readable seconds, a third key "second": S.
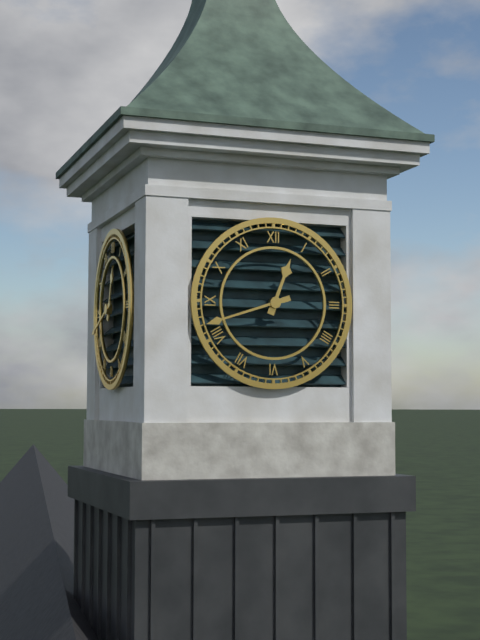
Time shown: {"hour": 12, "minute": 42}
